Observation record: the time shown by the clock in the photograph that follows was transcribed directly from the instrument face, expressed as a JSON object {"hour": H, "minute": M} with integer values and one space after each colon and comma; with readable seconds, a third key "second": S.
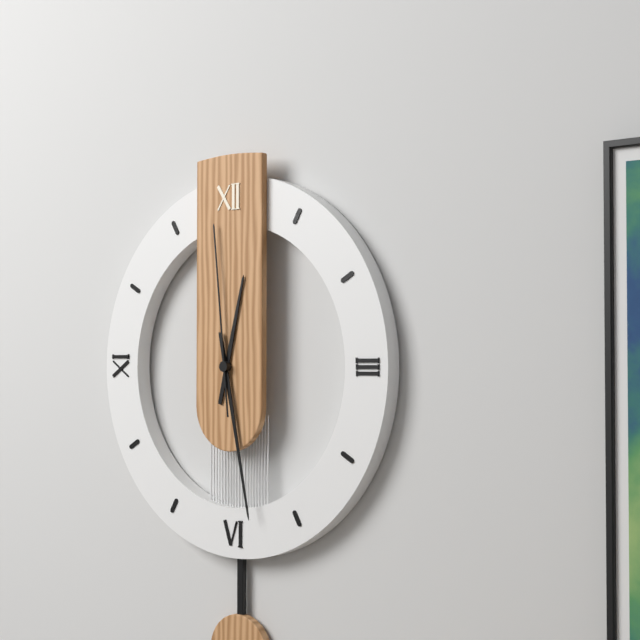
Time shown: {"hour": 12, "minute": 28, "second": 59}
